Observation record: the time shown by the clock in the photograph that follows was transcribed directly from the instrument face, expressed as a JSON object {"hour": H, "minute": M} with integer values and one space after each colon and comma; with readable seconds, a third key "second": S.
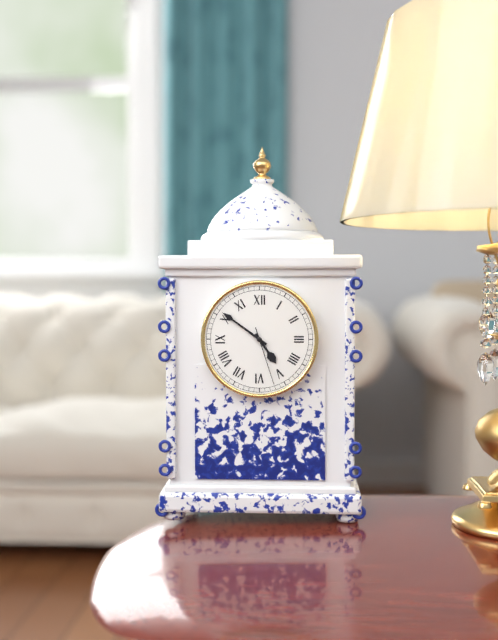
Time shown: {"hour": 4, "minute": 51, "second": 27}
